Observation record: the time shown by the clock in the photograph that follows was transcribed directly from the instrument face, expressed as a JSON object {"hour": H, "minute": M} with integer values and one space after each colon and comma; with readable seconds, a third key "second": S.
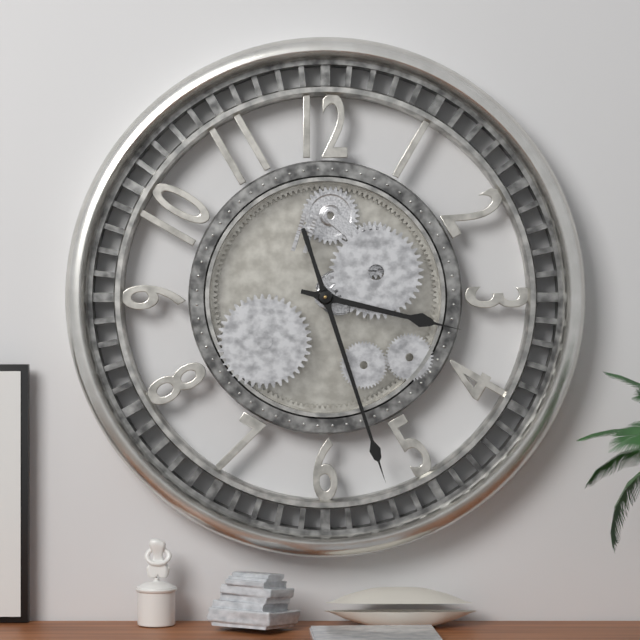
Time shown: {"hour": 3, "minute": 27}
